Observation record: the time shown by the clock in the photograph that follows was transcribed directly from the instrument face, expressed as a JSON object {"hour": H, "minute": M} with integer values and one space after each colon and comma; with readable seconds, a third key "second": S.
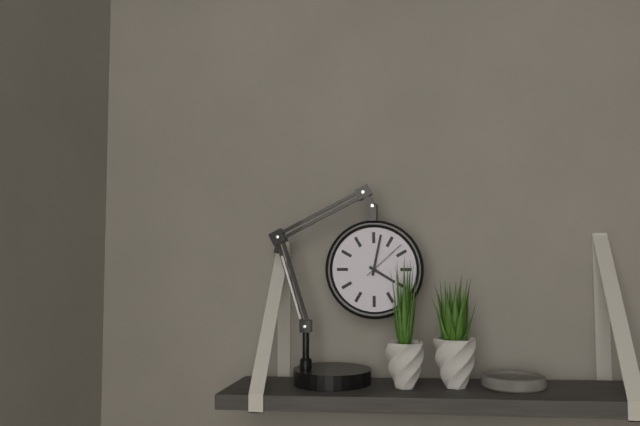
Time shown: {"hour": 4, "minute": 2}
